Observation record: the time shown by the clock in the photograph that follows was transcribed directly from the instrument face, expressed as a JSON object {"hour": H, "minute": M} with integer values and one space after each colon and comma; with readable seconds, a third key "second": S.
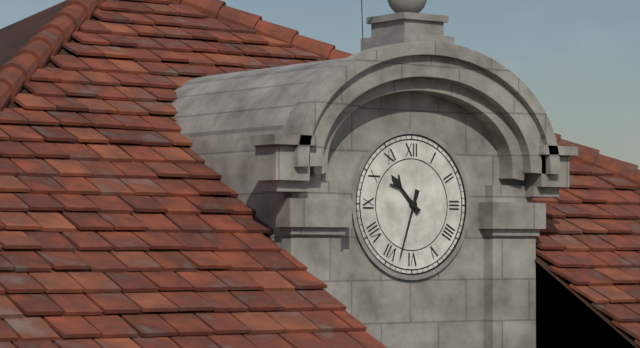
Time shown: {"hour": 10, "minute": 33}
